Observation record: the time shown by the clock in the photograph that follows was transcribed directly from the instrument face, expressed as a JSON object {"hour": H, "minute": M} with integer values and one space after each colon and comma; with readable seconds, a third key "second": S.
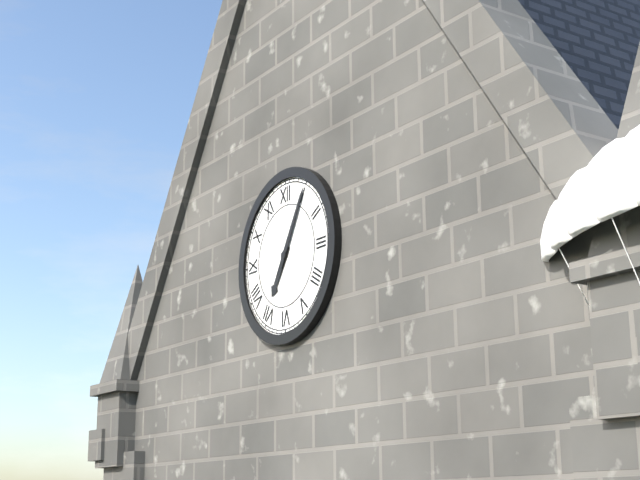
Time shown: {"hour": 7, "minute": 5}
